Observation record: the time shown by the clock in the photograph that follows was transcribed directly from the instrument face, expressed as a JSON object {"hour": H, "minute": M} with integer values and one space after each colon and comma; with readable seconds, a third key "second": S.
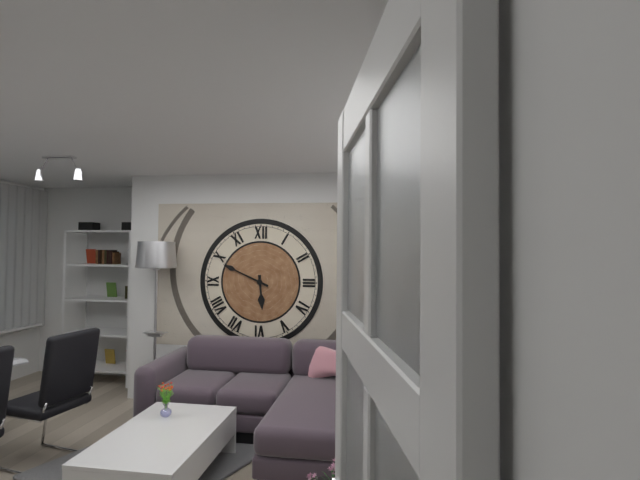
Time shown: {"hour": 5, "minute": 49}
